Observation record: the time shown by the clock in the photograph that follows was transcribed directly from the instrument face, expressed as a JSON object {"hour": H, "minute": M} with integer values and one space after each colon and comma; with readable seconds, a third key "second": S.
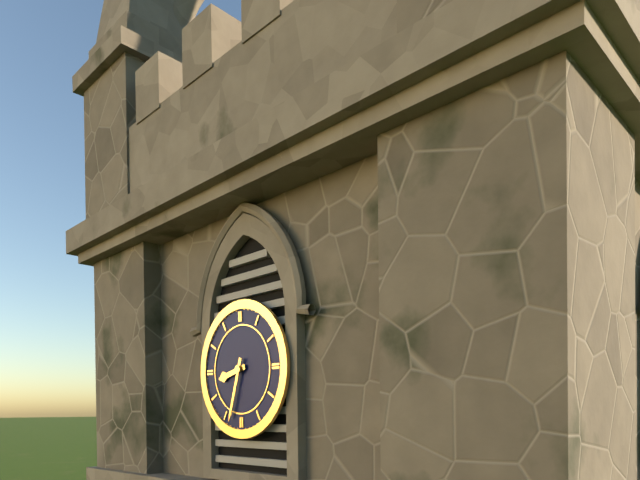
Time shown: {"hour": 8, "minute": 33}
